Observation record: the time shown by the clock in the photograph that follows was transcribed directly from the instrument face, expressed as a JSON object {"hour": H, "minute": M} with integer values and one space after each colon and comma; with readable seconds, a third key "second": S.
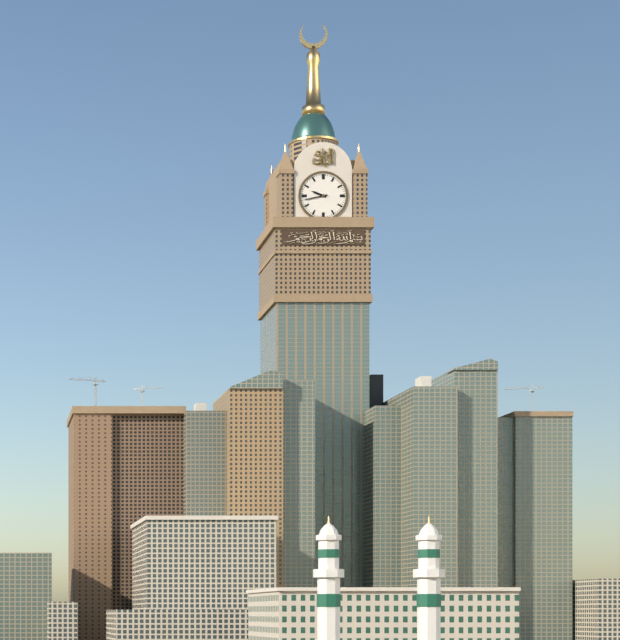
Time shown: {"hour": 9, "minute": 43}
